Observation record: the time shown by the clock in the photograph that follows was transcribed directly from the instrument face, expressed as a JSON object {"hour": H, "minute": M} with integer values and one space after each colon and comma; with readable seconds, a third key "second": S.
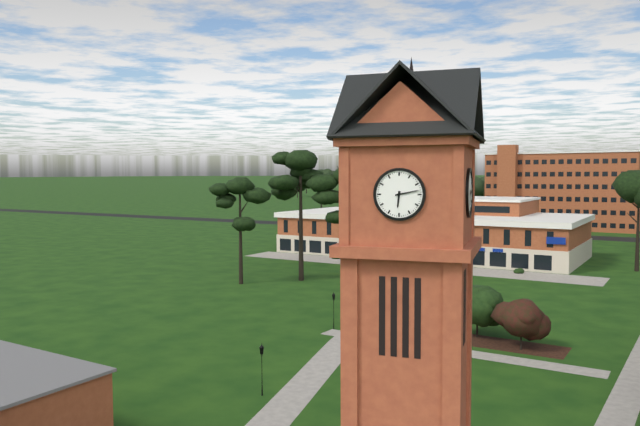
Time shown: {"hour": 6, "minute": 13}
